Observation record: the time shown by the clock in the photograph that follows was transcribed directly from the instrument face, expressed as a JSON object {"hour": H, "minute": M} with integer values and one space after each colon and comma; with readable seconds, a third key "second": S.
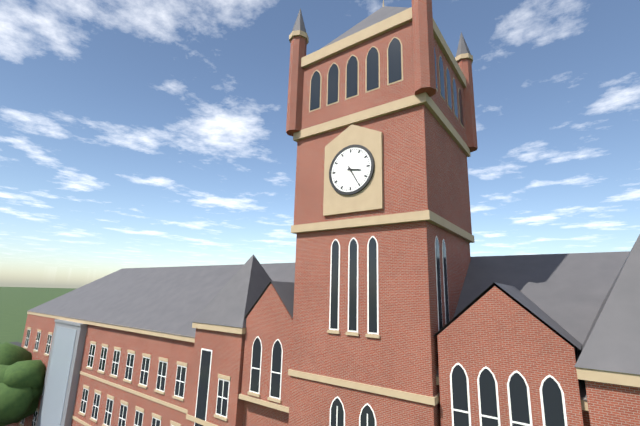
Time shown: {"hour": 3, "minute": 25}
